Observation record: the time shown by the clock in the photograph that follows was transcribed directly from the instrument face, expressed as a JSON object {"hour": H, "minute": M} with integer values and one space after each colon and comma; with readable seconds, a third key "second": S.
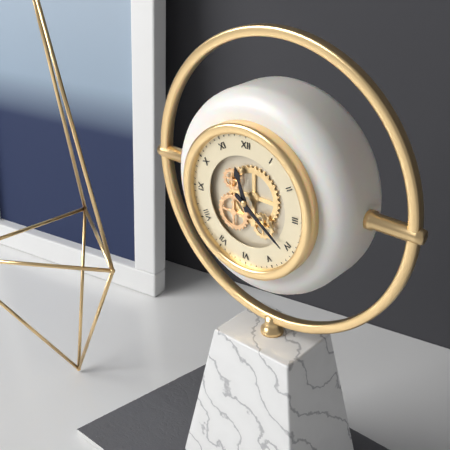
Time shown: {"hour": 11, "minute": 21}
